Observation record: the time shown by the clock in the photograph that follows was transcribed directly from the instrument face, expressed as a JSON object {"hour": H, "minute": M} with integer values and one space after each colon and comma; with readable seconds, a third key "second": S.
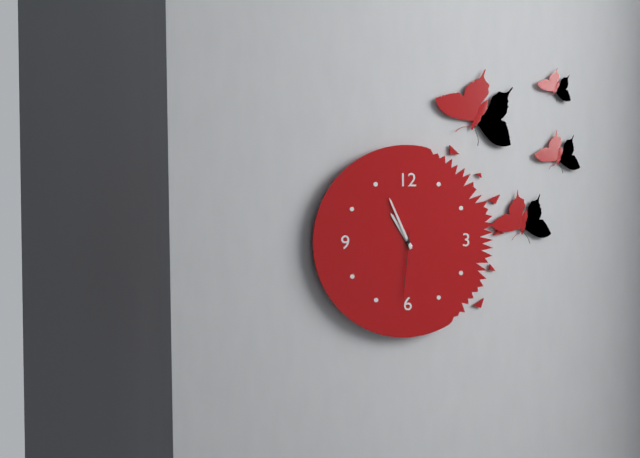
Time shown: {"hour": 10, "minute": 56, "second": 31}
